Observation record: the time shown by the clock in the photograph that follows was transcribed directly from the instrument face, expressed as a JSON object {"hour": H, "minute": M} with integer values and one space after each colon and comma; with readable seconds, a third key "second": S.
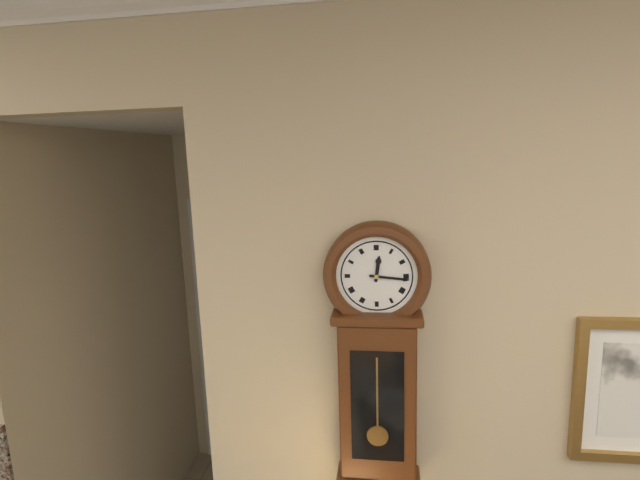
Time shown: {"hour": 12, "minute": 16}
